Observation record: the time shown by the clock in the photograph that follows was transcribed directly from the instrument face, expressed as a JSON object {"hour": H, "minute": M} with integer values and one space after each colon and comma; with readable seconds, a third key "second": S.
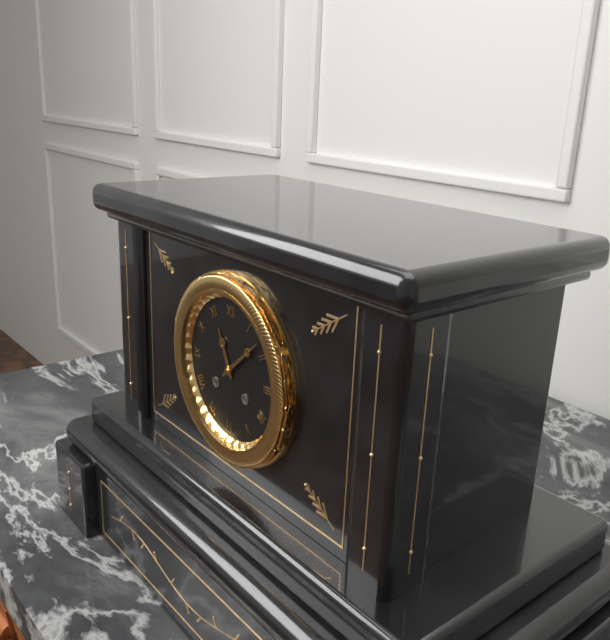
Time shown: {"hour": 11, "minute": 8}
